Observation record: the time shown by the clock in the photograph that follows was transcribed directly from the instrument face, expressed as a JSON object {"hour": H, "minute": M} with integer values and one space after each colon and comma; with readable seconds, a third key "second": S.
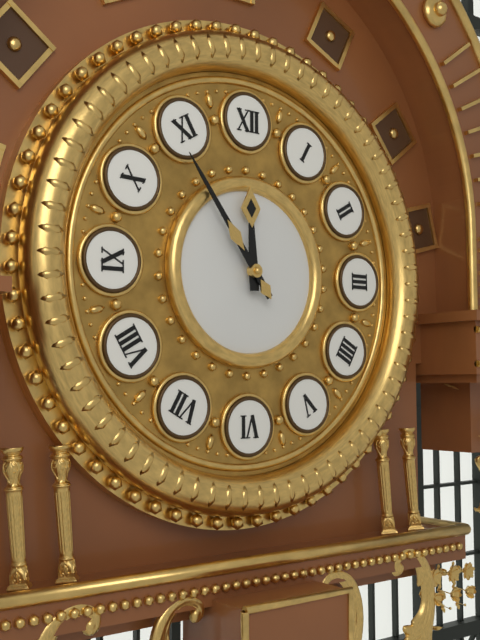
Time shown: {"hour": 11, "minute": 54}
